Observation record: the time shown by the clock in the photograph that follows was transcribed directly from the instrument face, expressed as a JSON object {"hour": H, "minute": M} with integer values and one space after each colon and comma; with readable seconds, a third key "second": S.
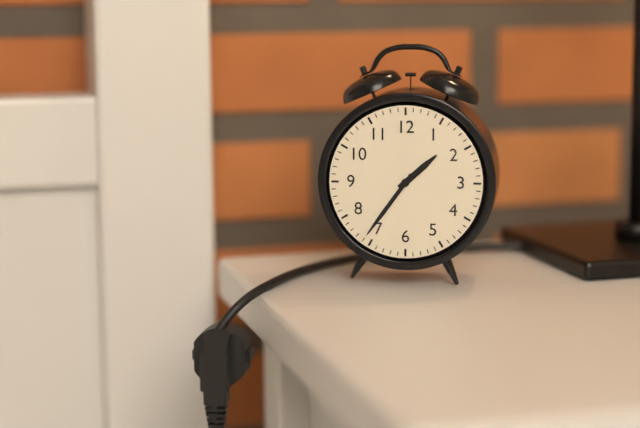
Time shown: {"hour": 1, "minute": 36}
